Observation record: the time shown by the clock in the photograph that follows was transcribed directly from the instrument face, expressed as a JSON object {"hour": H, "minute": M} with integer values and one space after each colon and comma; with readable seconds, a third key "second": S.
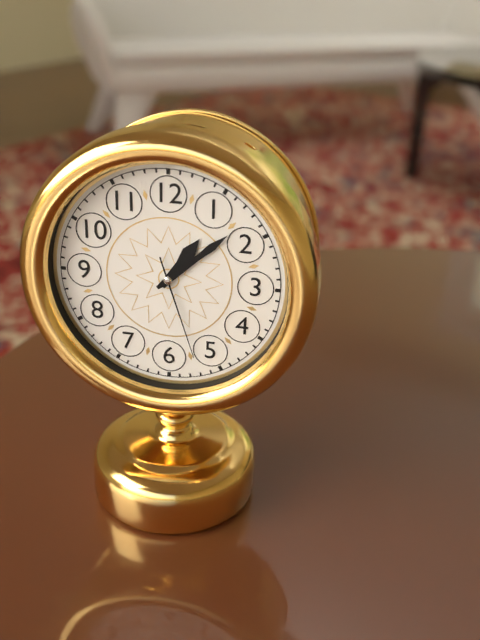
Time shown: {"hour": 1, "minute": 8, "second": 27}
